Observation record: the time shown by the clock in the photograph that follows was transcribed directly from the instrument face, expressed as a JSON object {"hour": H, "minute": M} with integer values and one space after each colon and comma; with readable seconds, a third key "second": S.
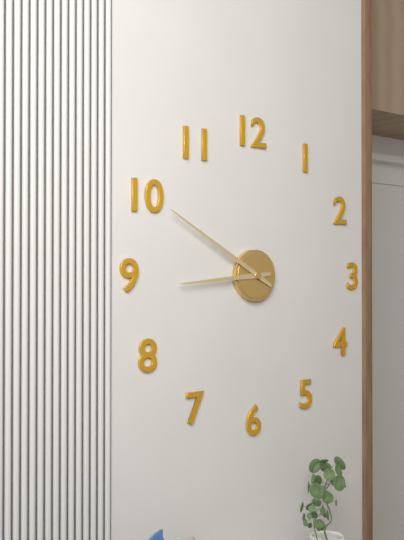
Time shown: {"hour": 8, "minute": 50}
